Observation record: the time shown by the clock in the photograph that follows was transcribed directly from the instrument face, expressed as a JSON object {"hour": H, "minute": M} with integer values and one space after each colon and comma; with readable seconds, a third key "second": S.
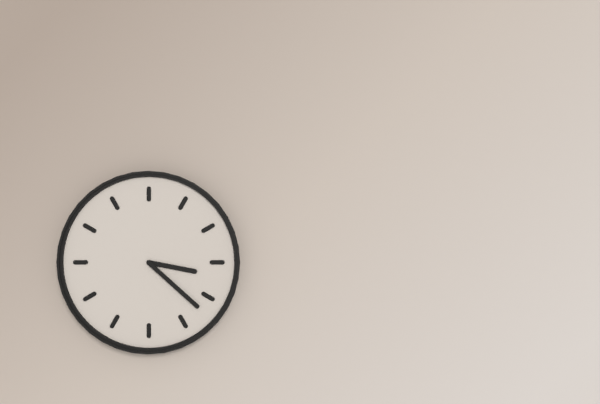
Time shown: {"hour": 3, "minute": 22}
